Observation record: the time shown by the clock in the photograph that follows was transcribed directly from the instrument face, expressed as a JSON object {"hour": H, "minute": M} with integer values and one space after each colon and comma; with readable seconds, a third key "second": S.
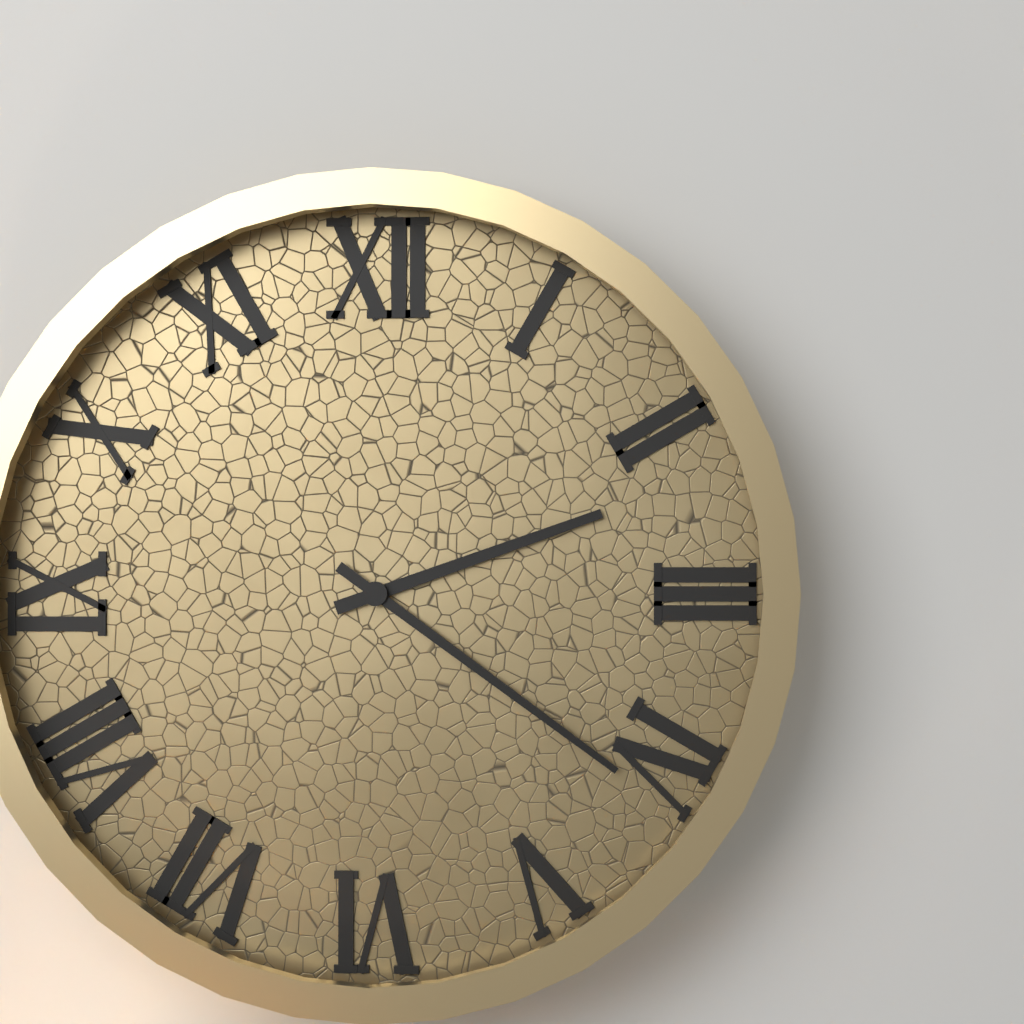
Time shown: {"hour": 2, "minute": 21}
